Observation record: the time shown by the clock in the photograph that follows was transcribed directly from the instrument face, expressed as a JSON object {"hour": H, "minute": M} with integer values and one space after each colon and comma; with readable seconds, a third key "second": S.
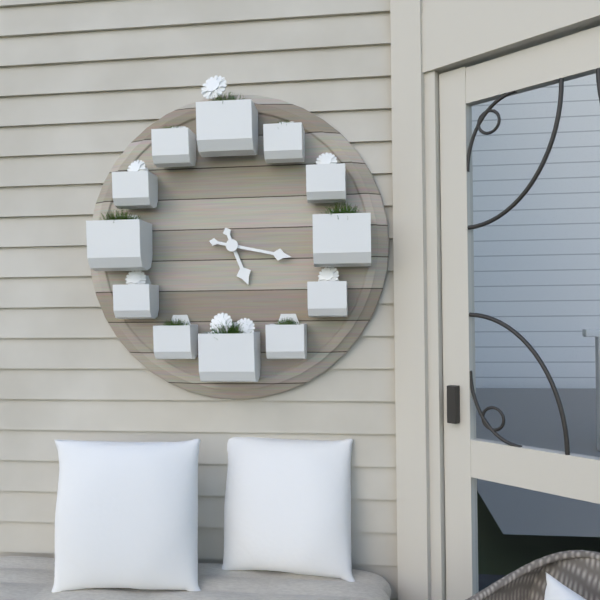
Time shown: {"hour": 5, "minute": 17}
